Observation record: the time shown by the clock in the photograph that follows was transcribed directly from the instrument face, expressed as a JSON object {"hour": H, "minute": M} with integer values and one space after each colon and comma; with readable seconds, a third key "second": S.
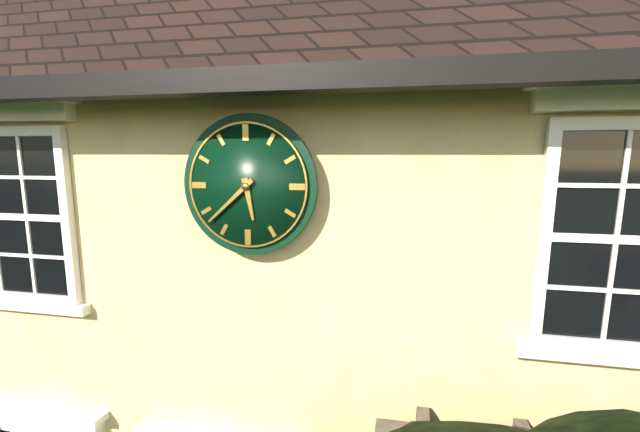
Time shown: {"hour": 5, "minute": 38}
